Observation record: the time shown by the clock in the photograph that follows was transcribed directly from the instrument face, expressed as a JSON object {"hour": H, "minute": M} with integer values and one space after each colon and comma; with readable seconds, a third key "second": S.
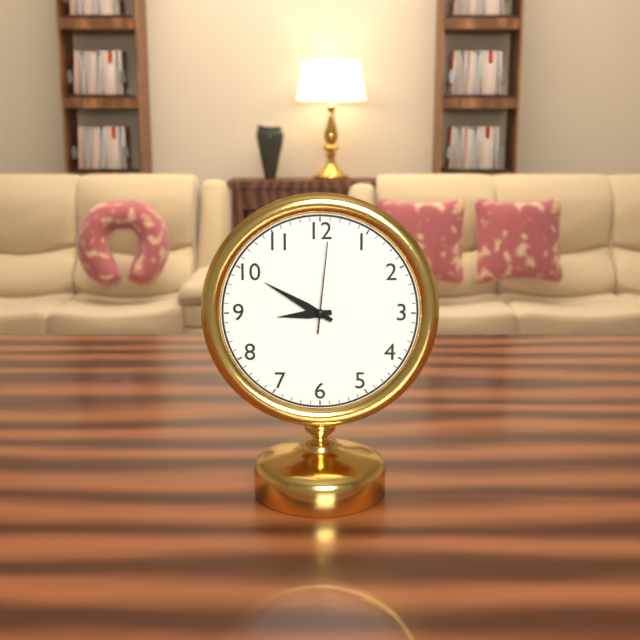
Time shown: {"hour": 8, "minute": 50, "second": 1}
